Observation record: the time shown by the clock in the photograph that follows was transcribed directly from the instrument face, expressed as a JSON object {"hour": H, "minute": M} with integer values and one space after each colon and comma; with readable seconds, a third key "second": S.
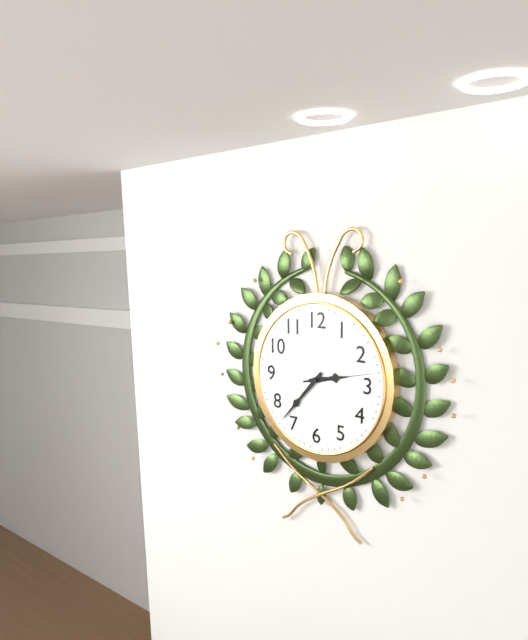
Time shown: {"hour": 2, "minute": 37, "second": 13}
